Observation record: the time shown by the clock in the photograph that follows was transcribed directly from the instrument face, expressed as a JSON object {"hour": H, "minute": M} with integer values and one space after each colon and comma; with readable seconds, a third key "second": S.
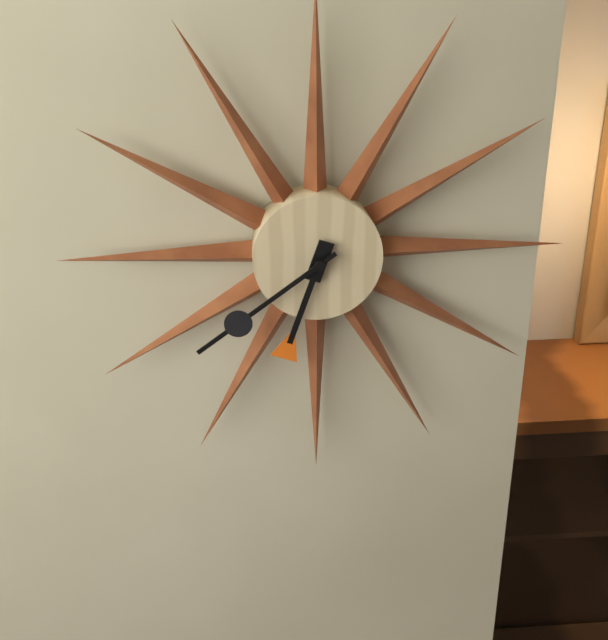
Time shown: {"hour": 6, "minute": 39}
